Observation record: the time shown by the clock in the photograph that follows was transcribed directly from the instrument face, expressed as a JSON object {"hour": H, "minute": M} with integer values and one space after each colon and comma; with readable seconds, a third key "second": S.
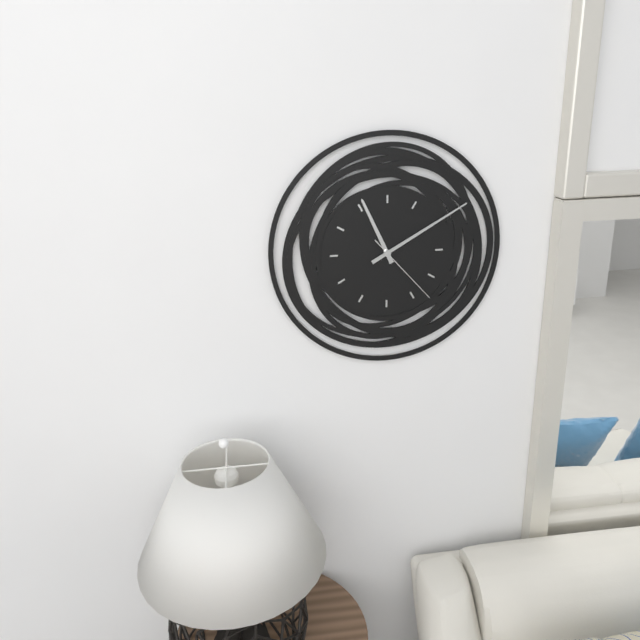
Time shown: {"hour": 11, "minute": 10, "second": 23}
